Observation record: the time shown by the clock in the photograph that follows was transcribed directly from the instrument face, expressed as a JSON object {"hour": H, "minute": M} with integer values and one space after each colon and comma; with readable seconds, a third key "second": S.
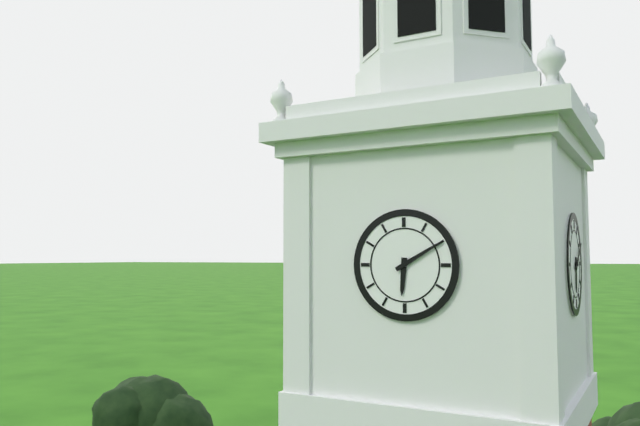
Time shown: {"hour": 6, "minute": 10}
